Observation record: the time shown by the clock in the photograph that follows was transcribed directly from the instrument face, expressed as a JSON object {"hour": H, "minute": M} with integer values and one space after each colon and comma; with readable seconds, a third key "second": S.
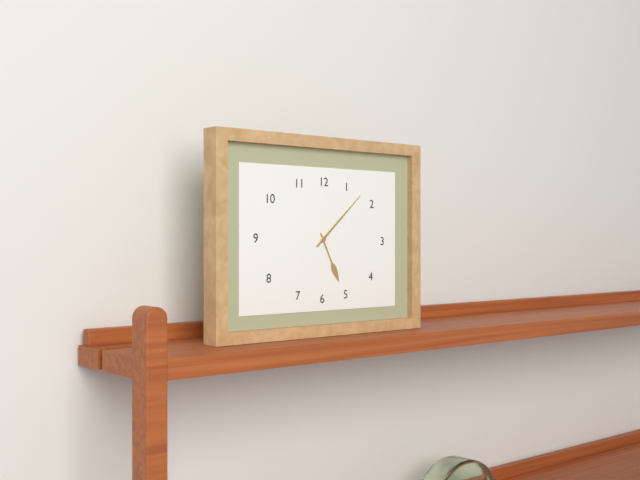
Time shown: {"hour": 5, "minute": 8}
